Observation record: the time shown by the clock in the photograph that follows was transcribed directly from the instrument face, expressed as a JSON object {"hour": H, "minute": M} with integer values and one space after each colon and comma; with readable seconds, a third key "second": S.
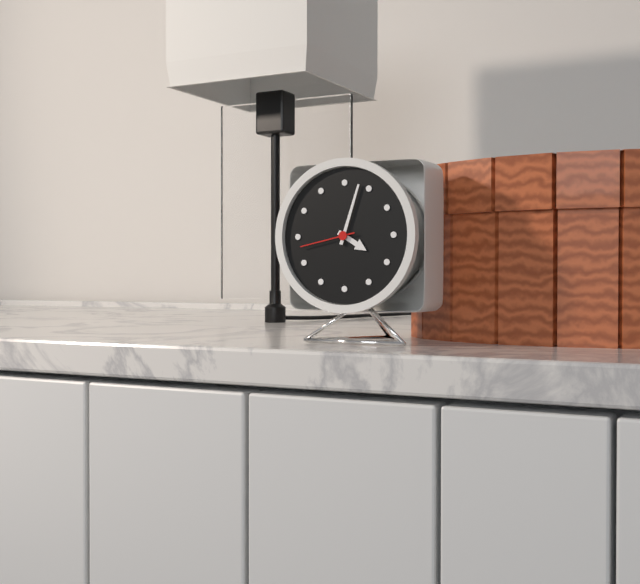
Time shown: {"hour": 4, "minute": 3, "second": 43}
